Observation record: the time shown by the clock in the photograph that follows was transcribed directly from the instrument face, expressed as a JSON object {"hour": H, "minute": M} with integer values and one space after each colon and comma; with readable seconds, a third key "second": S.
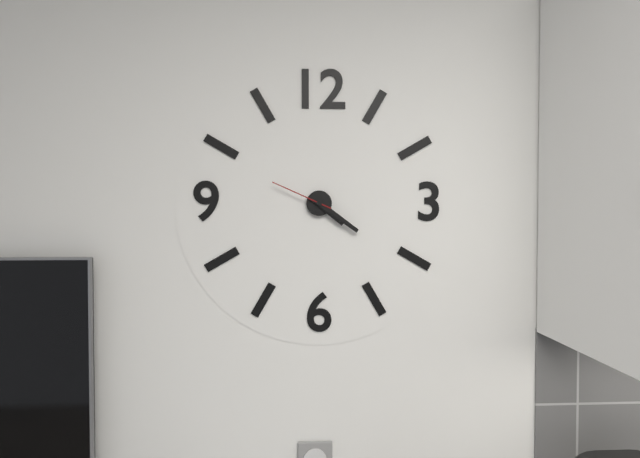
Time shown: {"hour": 4, "minute": 21, "second": 49}
